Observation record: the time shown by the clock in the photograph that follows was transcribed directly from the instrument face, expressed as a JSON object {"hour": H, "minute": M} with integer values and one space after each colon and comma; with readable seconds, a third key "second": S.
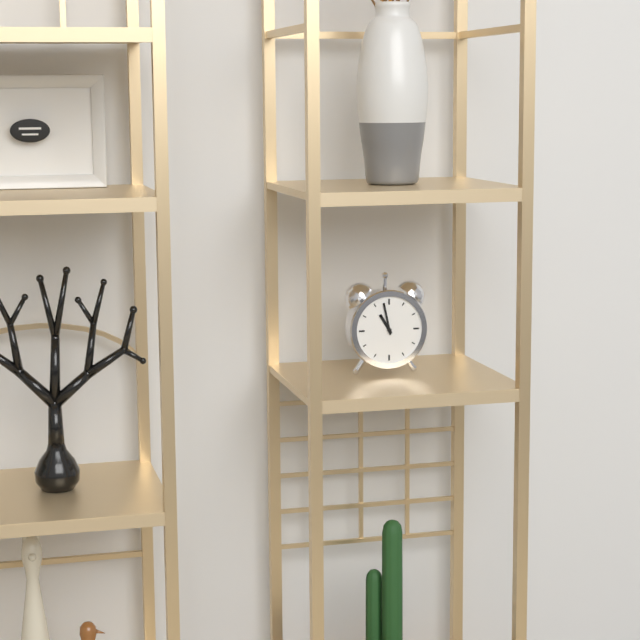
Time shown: {"hour": 10, "minute": 58}
